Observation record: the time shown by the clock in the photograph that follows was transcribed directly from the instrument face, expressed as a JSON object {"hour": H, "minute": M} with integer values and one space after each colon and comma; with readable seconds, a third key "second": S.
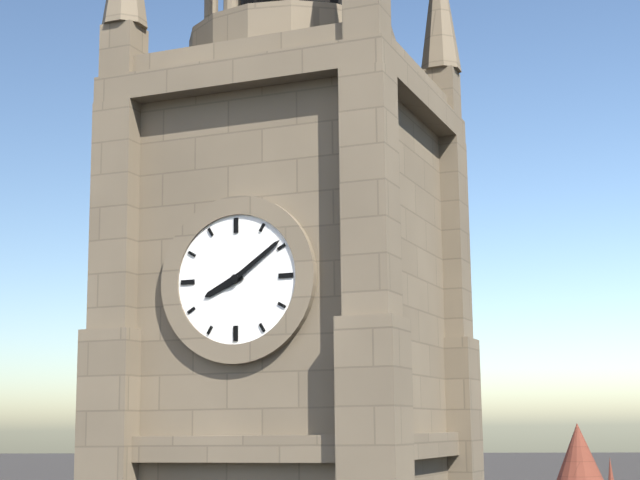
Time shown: {"hour": 8, "minute": 9}
